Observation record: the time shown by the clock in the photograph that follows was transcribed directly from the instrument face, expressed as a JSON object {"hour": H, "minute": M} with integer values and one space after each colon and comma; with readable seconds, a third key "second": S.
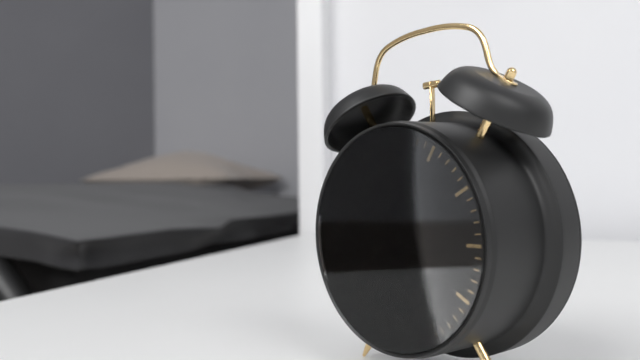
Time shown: {"hour": 11, "minute": 54, "second": 2}
